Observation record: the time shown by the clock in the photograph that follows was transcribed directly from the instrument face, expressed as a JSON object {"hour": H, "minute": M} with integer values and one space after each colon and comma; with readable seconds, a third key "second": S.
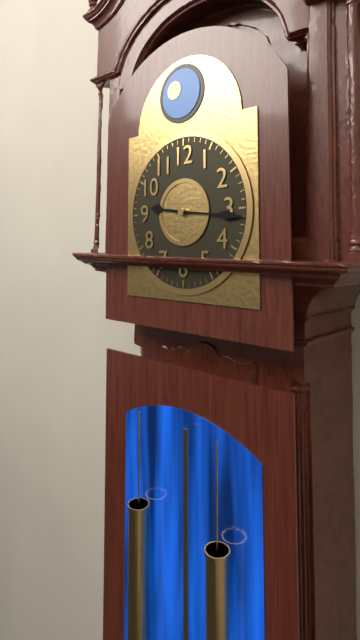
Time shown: {"hour": 9, "minute": 16}
